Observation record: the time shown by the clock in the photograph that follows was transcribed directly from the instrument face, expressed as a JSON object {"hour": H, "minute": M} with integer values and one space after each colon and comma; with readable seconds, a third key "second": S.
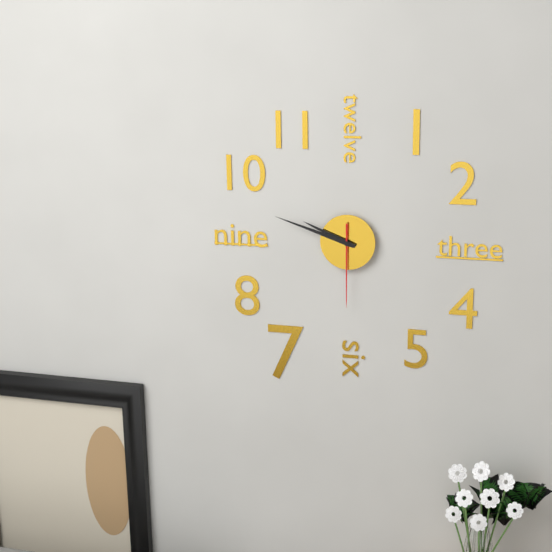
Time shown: {"hour": 9, "minute": 48, "second": 30}
